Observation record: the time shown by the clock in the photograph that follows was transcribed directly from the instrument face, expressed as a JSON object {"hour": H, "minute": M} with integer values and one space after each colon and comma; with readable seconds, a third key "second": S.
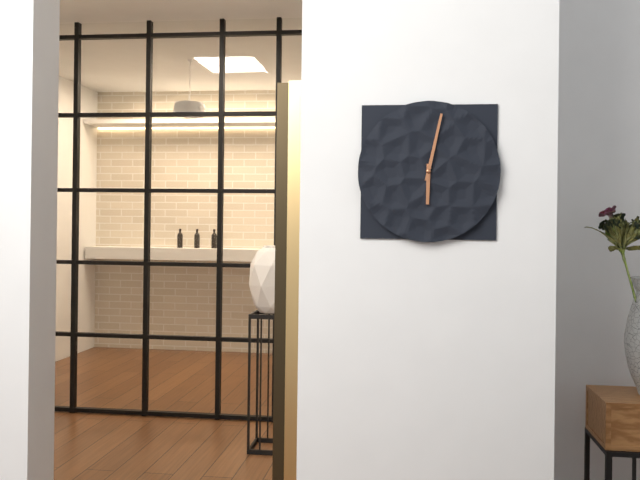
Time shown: {"hour": 6, "minute": 2}
